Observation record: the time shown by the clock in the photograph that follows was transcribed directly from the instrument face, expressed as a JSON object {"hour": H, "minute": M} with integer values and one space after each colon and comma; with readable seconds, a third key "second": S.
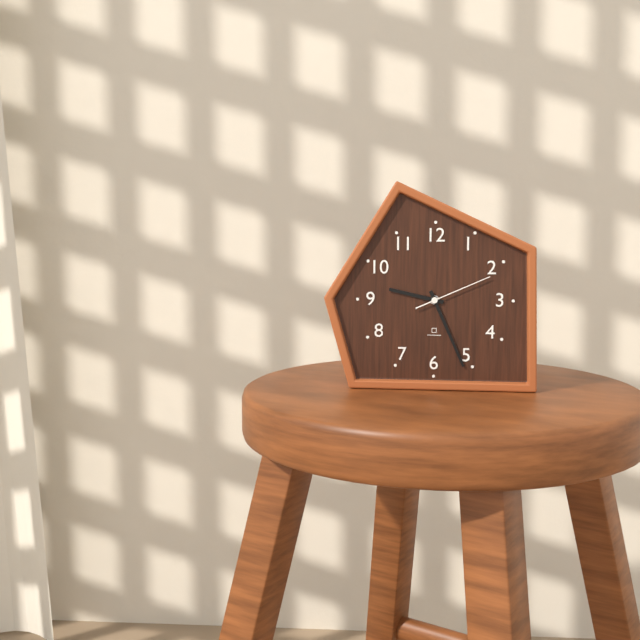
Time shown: {"hour": 9, "minute": 26, "second": 11}
